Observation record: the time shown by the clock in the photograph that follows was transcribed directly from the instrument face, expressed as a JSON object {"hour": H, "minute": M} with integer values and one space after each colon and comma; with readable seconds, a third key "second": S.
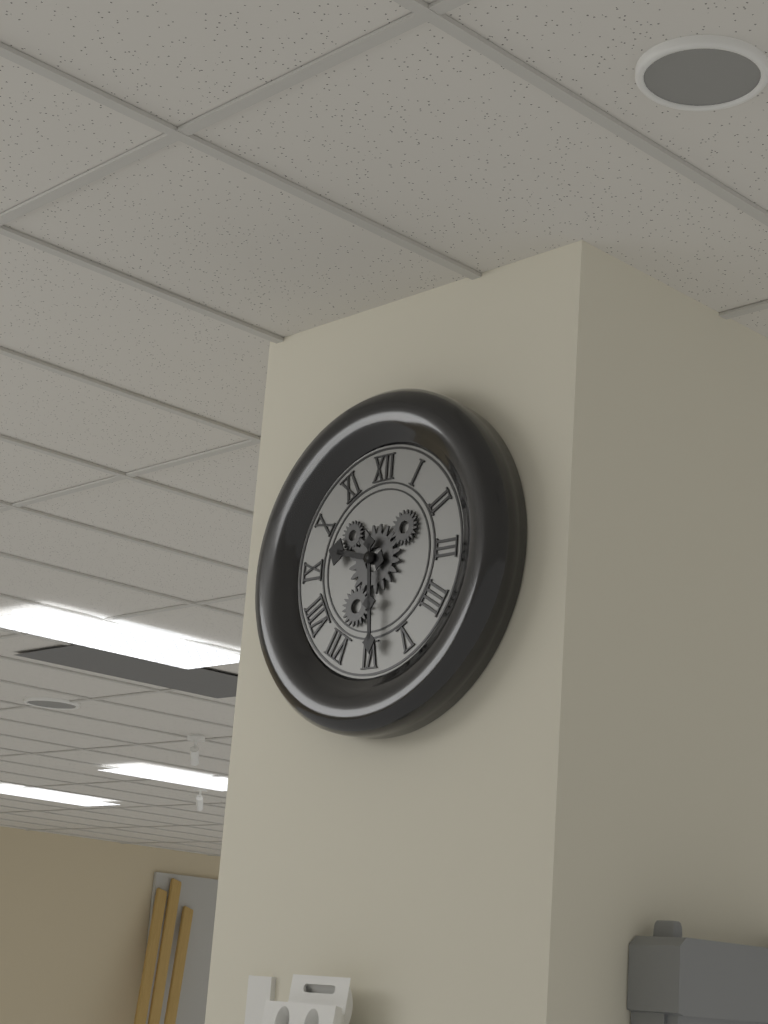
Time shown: {"hour": 9, "minute": 29}
